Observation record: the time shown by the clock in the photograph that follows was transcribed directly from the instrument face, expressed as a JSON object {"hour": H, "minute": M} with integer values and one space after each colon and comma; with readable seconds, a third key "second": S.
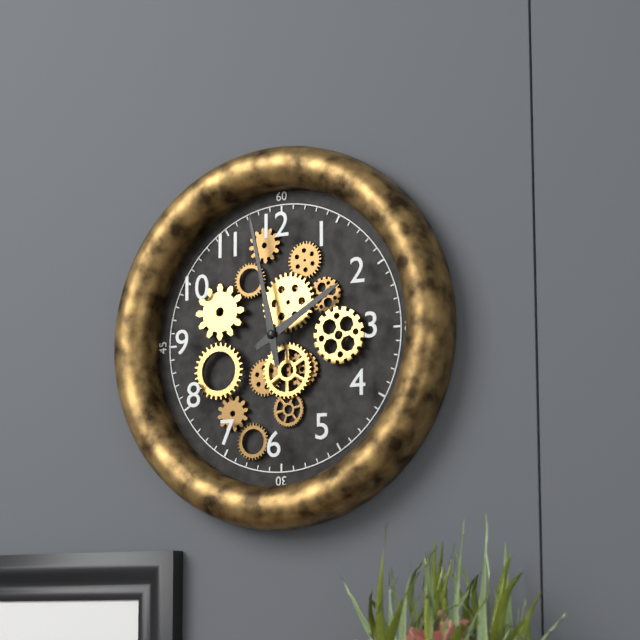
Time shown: {"hour": 1, "minute": 58}
